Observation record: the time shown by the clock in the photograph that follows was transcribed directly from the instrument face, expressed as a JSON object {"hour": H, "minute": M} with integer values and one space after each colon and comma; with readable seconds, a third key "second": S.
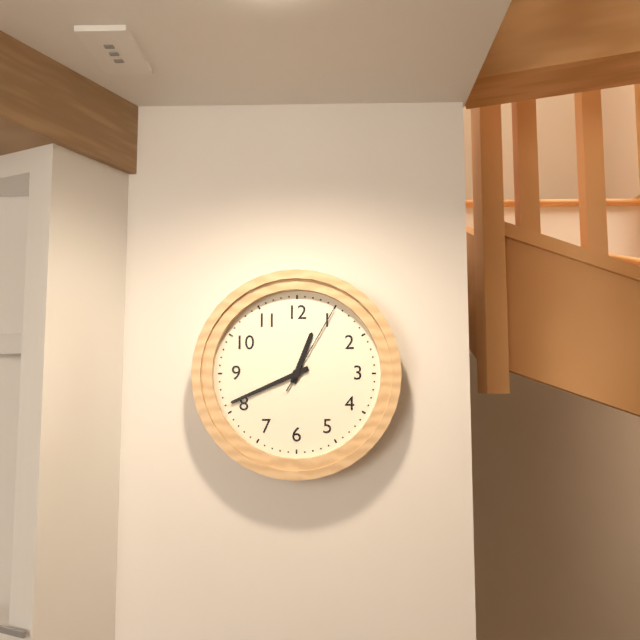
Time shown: {"hour": 12, "minute": 41, "second": 5}
